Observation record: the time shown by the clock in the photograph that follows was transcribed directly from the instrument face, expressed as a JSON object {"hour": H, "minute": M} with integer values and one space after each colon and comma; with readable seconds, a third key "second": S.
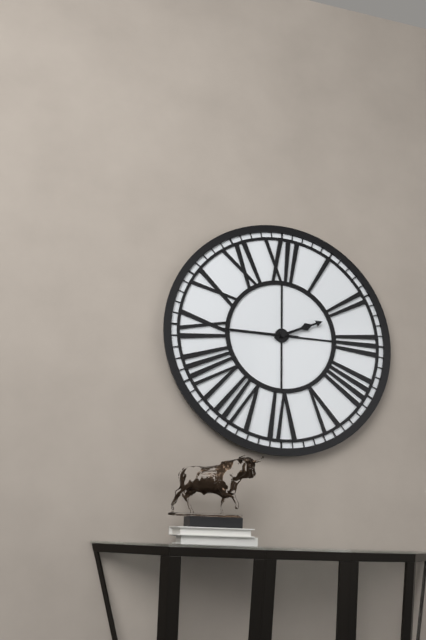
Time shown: {"hour": 2, "minute": 11, "second": 45}
